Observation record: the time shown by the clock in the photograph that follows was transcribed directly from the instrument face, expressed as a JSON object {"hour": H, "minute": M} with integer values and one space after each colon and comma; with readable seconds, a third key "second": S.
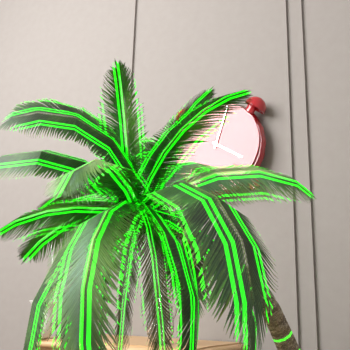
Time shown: {"hour": 4, "minute": 3}
